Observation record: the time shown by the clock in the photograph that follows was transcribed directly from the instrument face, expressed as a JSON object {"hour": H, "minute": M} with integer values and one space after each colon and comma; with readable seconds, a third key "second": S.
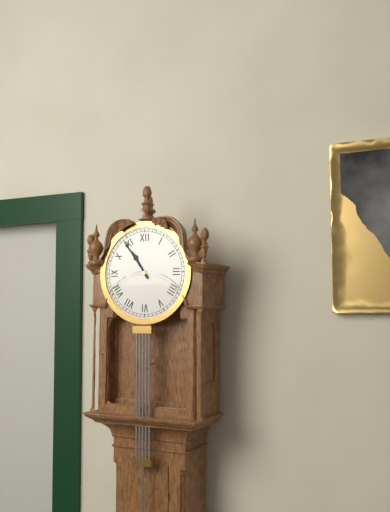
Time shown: {"hour": 10, "minute": 54}
